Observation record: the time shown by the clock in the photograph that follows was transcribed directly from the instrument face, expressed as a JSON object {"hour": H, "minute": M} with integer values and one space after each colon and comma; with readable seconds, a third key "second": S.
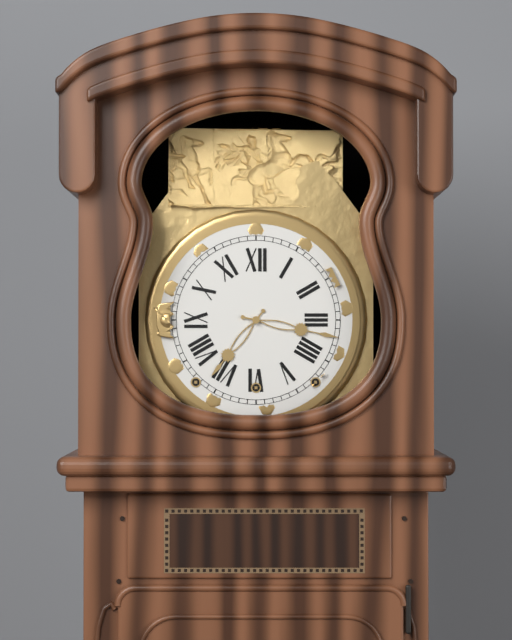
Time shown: {"hour": 7, "minute": 17}
